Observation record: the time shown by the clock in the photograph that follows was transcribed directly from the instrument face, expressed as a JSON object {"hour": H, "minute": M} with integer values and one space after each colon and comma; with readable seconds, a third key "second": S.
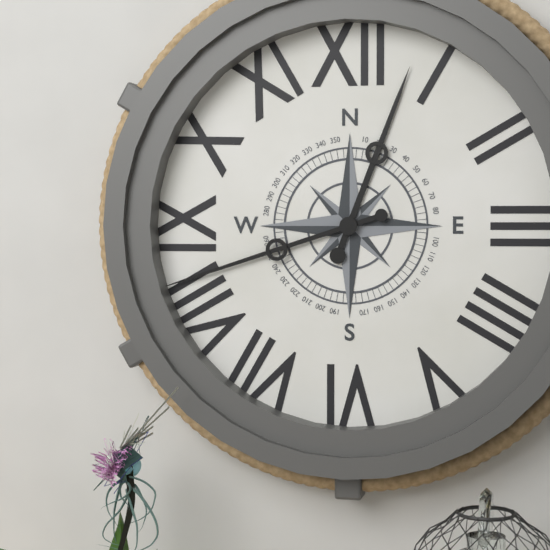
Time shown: {"hour": 12, "minute": 42}
